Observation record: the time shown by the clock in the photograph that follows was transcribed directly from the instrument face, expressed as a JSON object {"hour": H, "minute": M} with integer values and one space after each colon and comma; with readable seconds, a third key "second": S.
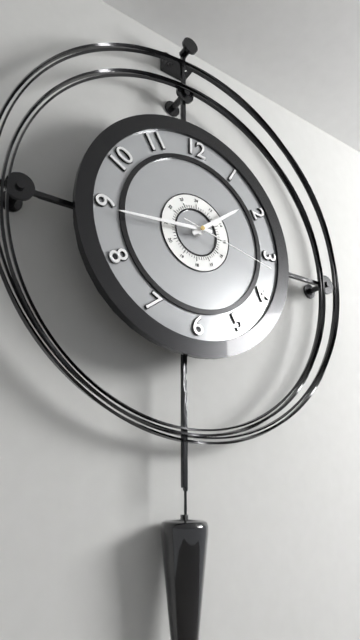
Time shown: {"hour": 1, "minute": 44, "second": 17}
